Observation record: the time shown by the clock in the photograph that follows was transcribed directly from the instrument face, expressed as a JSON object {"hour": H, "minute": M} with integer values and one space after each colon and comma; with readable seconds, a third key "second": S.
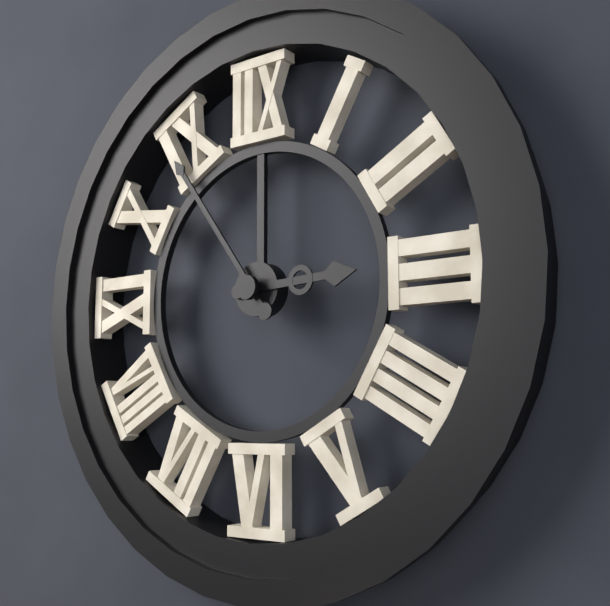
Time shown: {"hour": 2, "minute": 54}
